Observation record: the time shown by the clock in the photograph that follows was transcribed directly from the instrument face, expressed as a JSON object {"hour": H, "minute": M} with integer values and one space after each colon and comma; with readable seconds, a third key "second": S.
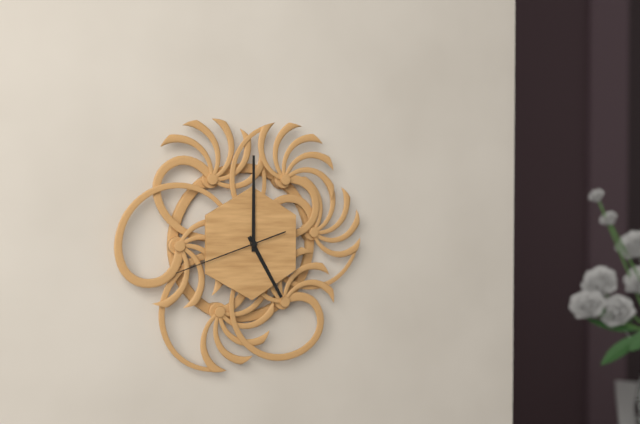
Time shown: {"hour": 5, "minute": 0, "second": 42}
